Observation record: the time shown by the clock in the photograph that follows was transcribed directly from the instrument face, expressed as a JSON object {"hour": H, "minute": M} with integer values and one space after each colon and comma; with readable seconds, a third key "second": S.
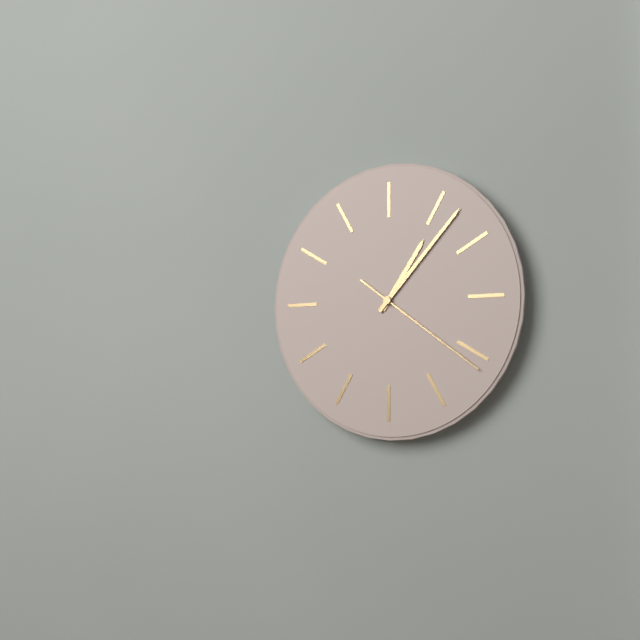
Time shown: {"hour": 1, "minute": 7, "second": 21}
